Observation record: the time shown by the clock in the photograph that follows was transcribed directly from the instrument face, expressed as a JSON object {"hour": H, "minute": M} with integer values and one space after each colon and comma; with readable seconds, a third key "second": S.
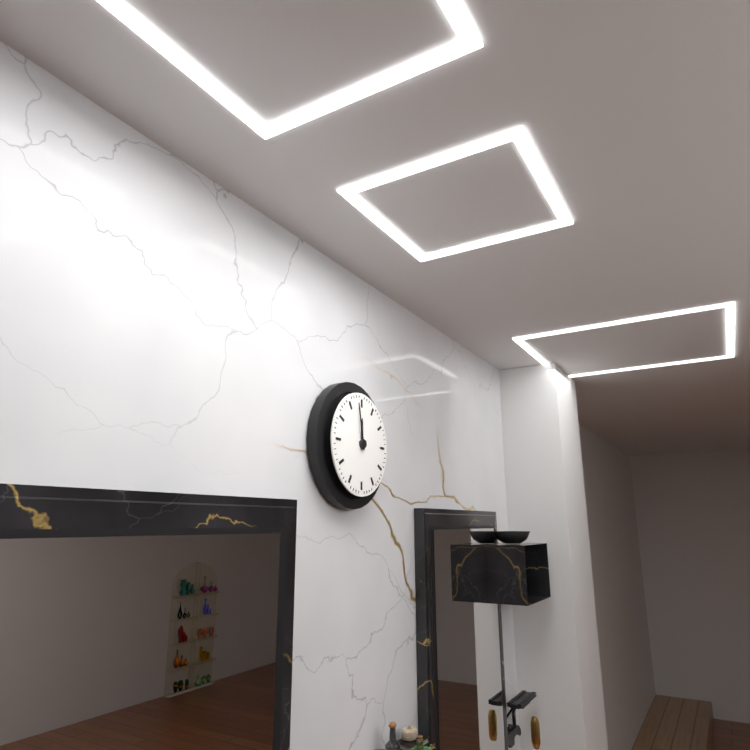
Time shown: {"hour": 11, "minute": 58}
